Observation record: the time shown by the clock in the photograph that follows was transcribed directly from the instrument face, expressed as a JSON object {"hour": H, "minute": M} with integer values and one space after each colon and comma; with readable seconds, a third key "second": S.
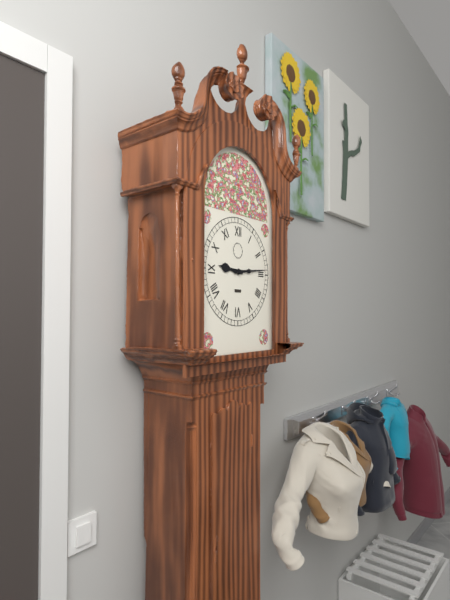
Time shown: {"hour": 9, "minute": 14}
